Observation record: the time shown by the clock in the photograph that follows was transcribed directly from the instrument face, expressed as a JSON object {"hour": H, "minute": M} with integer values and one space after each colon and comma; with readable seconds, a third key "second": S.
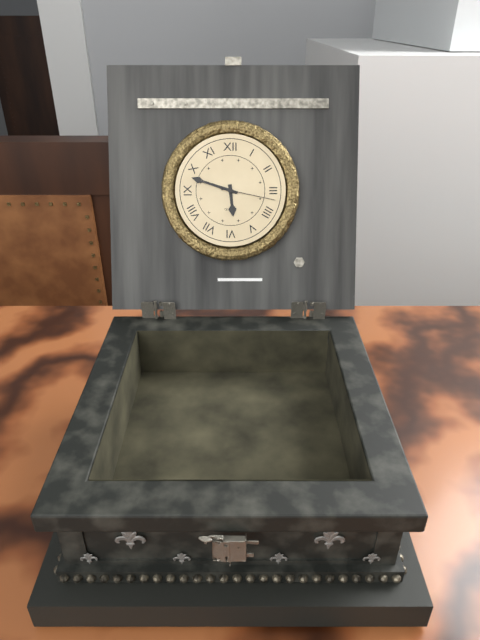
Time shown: {"hour": 5, "minute": 48, "second": 17}
